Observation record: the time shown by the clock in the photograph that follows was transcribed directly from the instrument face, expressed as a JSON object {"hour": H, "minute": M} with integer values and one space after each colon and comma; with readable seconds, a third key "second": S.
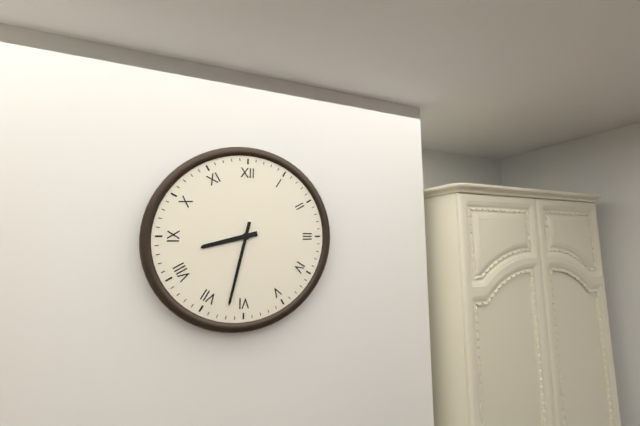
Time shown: {"hour": 8, "minute": 32}
